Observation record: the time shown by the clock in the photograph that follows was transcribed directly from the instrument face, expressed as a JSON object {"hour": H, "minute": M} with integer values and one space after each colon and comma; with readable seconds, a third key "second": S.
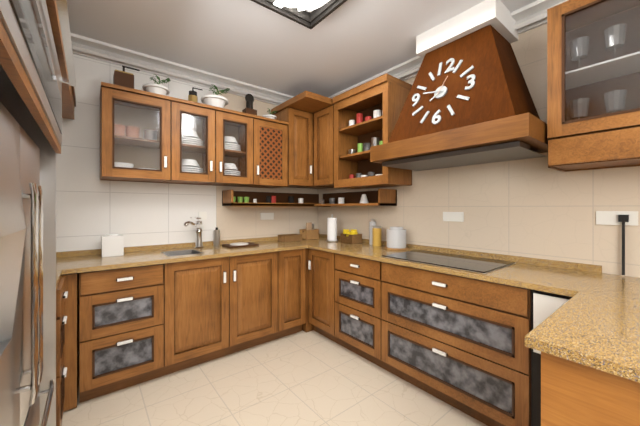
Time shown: {"hour": 7, "minute": 47}
